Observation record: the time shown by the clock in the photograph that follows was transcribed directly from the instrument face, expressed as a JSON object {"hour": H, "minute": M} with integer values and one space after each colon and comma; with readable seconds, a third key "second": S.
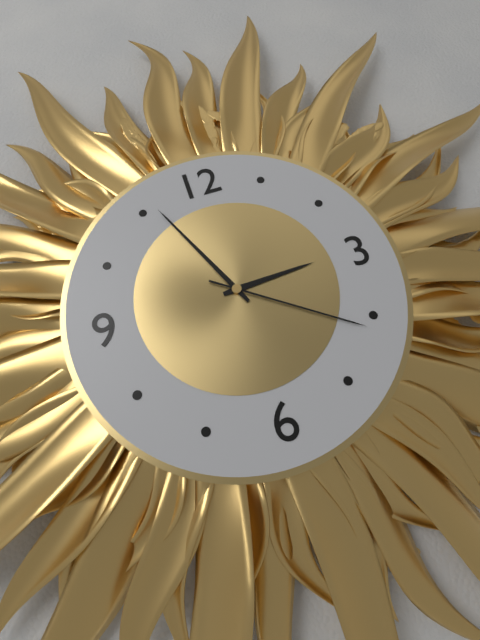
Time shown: {"hour": 2, "minute": 56, "second": 21}
